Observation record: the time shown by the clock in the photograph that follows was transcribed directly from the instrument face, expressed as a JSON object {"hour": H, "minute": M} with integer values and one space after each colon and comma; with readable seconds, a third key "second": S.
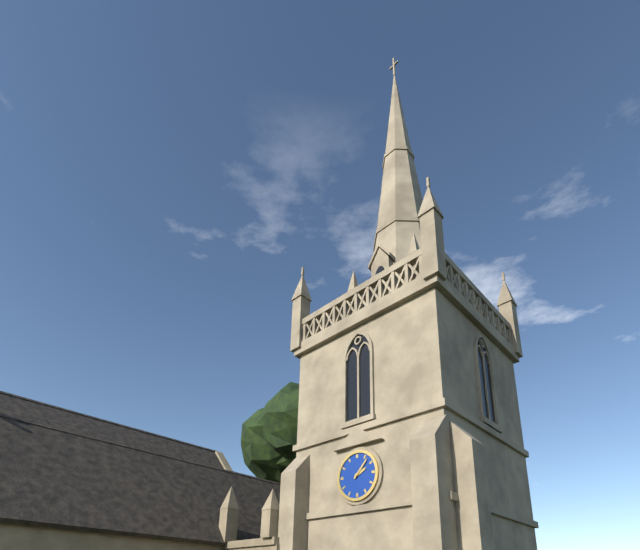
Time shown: {"hour": 2, "minute": 7}
